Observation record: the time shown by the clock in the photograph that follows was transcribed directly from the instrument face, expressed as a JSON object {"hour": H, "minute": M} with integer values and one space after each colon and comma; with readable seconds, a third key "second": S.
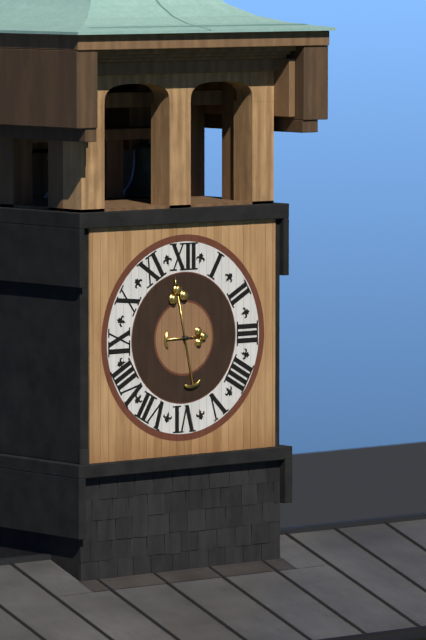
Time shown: {"hour": 2, "minute": 58}
